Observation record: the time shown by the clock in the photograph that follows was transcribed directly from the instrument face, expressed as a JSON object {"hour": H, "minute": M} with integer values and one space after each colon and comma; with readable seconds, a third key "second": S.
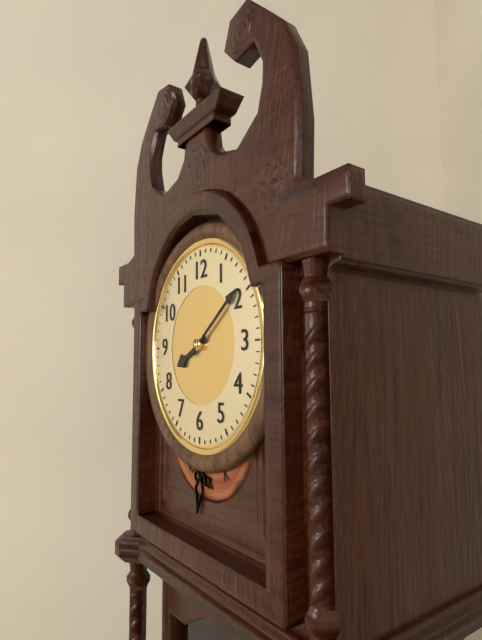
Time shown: {"hour": 8, "minute": 9}
